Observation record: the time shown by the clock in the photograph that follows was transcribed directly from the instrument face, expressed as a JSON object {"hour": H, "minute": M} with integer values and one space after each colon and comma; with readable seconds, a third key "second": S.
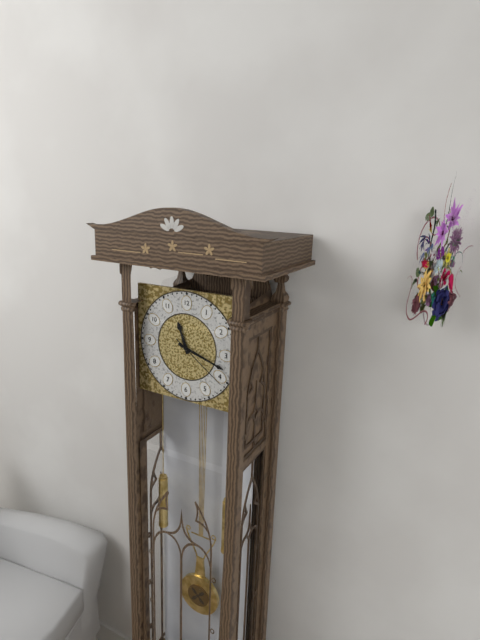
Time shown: {"hour": 11, "minute": 18, "second": 21}
